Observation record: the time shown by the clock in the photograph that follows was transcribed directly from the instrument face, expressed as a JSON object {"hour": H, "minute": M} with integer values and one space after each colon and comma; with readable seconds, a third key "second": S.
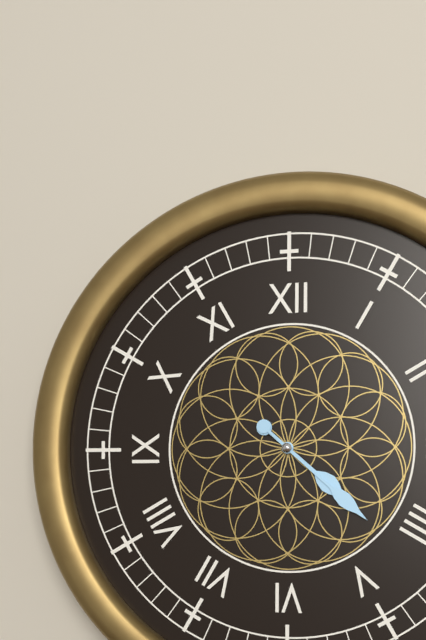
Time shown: {"hour": 4, "minute": 22}
